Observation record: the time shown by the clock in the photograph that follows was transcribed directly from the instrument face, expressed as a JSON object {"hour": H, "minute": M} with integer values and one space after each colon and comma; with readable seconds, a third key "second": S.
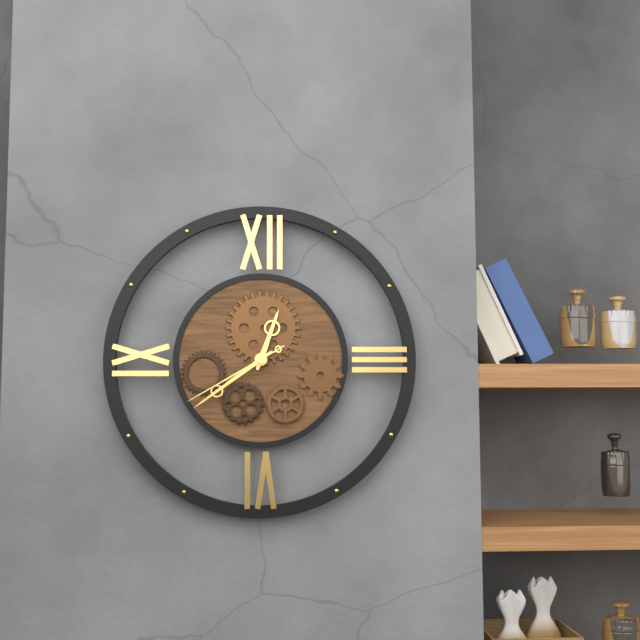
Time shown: {"hour": 12, "minute": 39, "second": 40}
